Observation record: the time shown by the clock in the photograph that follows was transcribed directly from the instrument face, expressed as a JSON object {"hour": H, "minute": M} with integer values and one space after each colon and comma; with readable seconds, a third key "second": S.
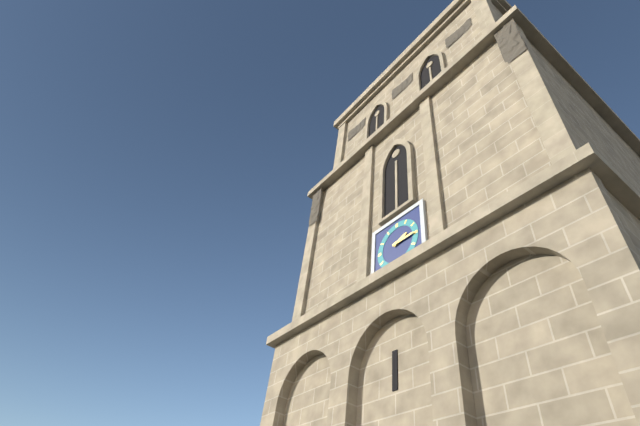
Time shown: {"hour": 2, "minute": 15}
